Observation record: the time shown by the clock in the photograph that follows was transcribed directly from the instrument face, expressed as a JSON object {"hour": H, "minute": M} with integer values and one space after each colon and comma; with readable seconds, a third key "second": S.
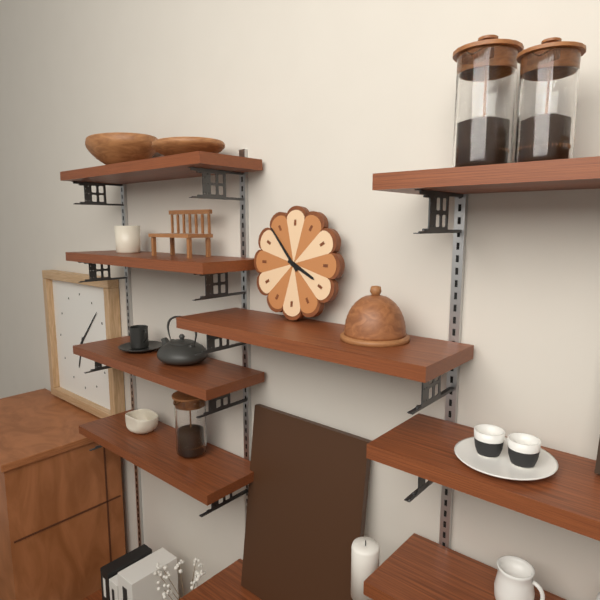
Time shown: {"hour": 3, "minute": 53}
